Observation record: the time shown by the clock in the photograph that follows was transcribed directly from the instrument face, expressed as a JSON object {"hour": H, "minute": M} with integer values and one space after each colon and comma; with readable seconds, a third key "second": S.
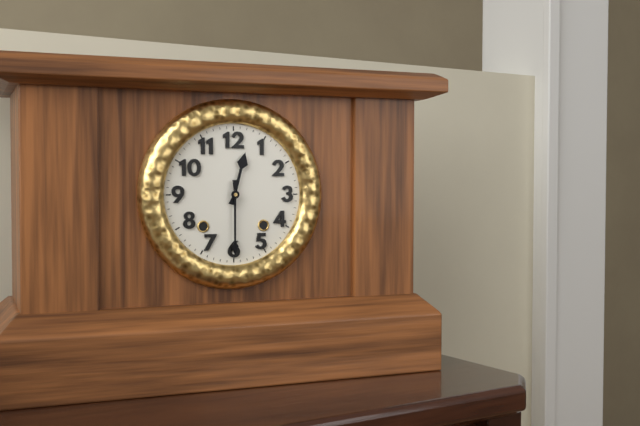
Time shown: {"hour": 12, "minute": 30}
